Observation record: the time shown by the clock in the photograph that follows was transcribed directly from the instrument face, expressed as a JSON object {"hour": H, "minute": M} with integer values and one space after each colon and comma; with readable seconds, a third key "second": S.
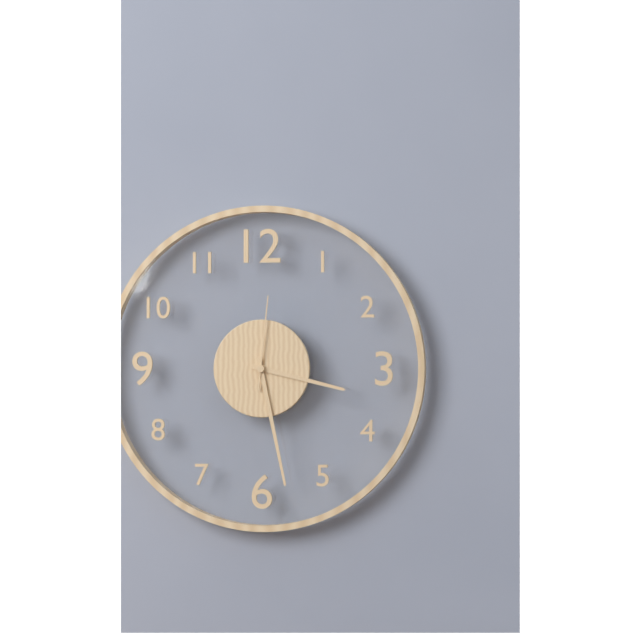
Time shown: {"hour": 3, "minute": 28, "second": 1}
